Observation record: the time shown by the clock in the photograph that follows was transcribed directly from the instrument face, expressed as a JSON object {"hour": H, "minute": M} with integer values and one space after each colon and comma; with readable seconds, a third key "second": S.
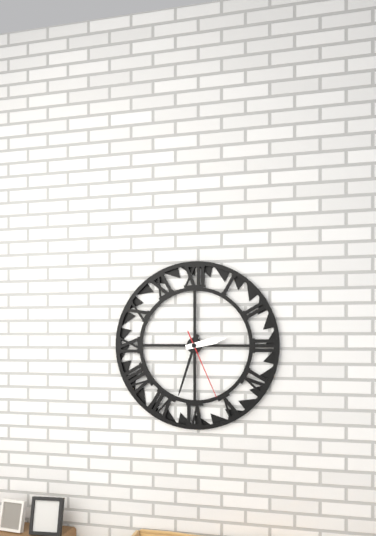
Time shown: {"hour": 2, "minute": 33, "second": 26}
